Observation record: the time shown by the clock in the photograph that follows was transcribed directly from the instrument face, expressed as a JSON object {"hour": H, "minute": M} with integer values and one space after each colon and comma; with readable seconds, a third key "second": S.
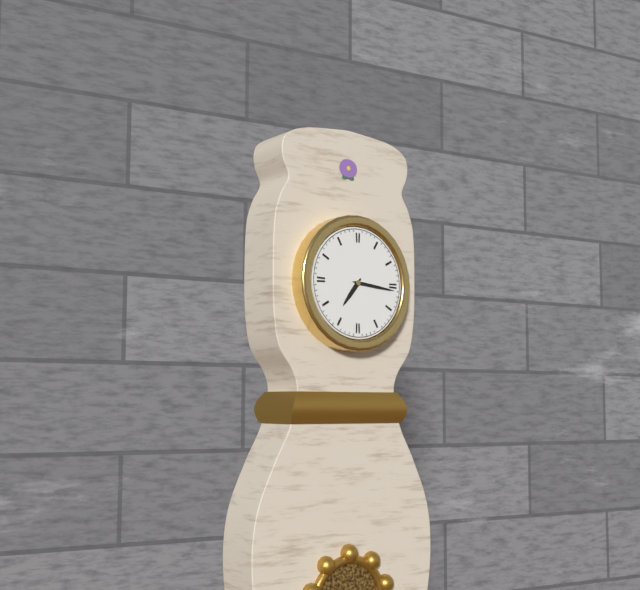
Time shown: {"hour": 7, "minute": 16}
